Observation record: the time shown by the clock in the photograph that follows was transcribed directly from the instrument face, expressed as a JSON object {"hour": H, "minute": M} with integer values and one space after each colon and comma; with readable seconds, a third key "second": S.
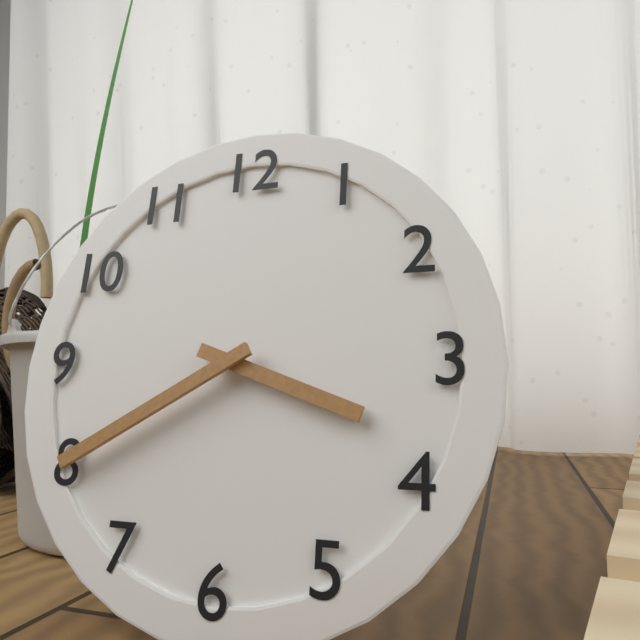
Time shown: {"hour": 3, "minute": 40}
